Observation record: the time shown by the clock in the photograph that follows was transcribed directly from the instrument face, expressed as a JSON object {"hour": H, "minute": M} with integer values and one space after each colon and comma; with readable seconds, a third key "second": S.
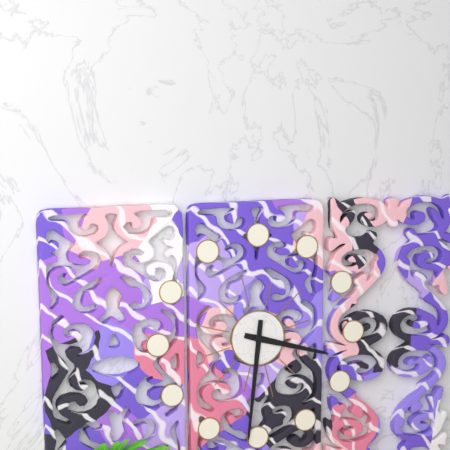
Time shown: {"hour": 3, "minute": 31}
